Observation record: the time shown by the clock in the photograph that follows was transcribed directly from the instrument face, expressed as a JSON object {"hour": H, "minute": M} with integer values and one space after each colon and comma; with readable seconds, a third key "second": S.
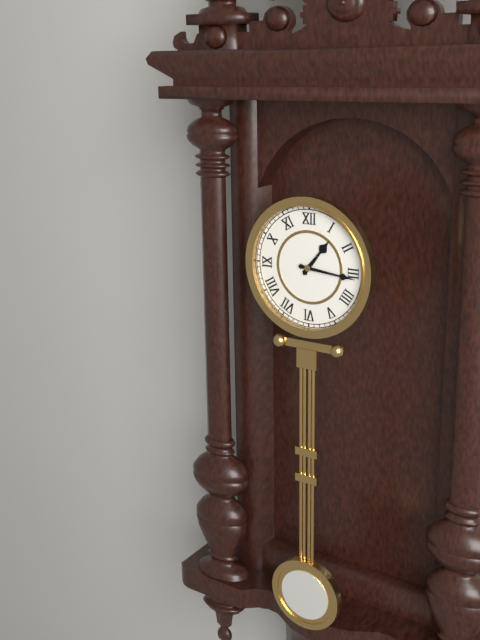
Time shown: {"hour": 1, "minute": 16}
